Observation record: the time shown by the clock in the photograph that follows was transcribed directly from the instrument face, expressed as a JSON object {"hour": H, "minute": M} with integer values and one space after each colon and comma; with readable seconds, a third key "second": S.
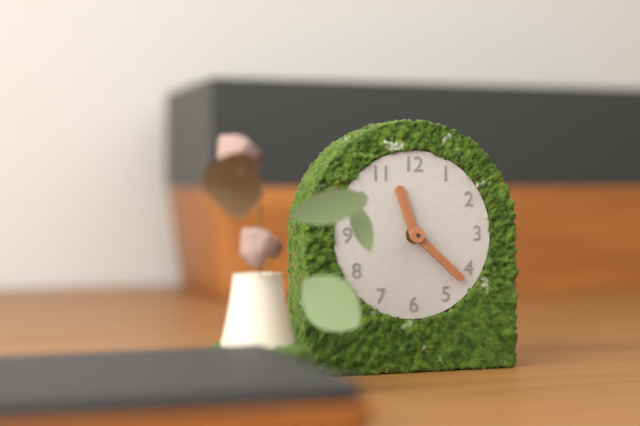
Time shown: {"hour": 11, "minute": 22}
